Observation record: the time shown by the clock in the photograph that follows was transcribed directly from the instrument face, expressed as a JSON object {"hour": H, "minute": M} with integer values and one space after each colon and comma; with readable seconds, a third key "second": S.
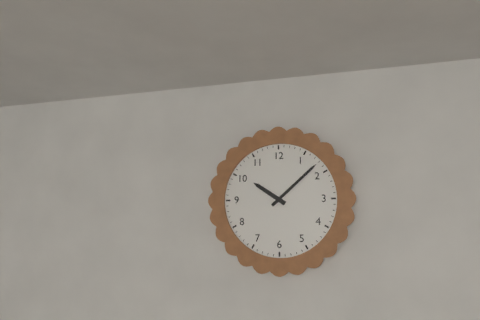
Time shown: {"hour": 10, "minute": 8}
